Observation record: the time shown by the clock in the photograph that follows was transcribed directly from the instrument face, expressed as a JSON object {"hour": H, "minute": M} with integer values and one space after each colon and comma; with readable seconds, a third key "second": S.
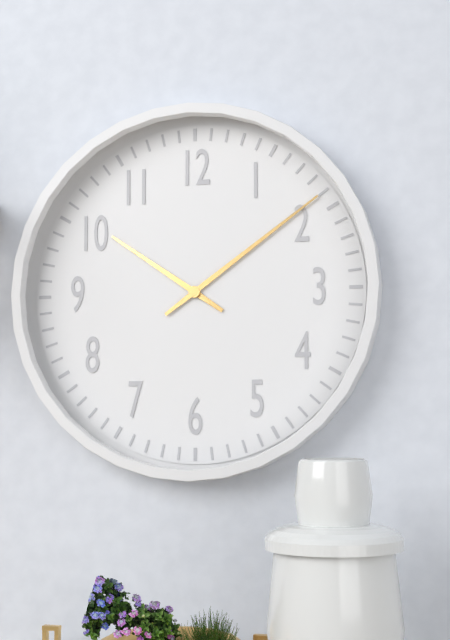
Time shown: {"hour": 10, "minute": 9}
